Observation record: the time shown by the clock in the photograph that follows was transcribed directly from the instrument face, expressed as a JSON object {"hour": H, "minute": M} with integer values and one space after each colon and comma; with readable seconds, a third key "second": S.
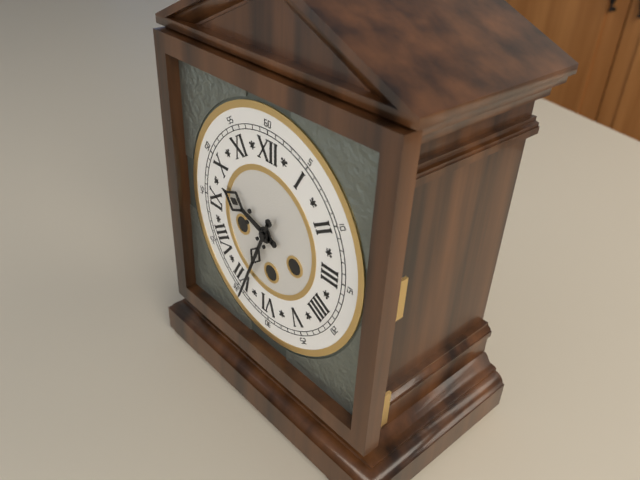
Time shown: {"hour": 9, "minute": 34}
